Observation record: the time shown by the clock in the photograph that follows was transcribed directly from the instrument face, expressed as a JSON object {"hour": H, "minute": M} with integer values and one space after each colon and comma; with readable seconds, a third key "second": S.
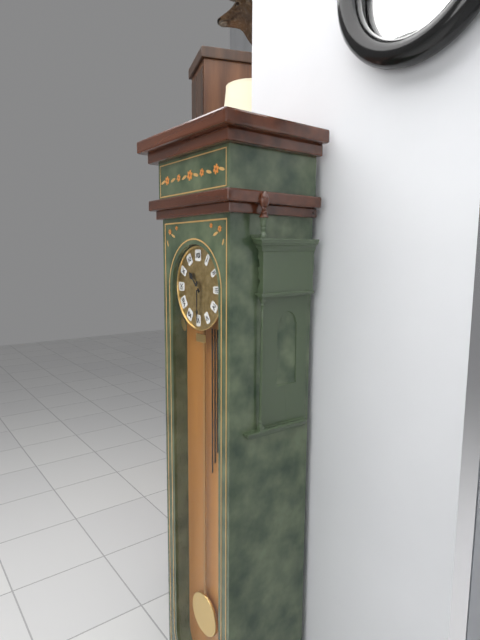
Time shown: {"hour": 10, "minute": 30}
